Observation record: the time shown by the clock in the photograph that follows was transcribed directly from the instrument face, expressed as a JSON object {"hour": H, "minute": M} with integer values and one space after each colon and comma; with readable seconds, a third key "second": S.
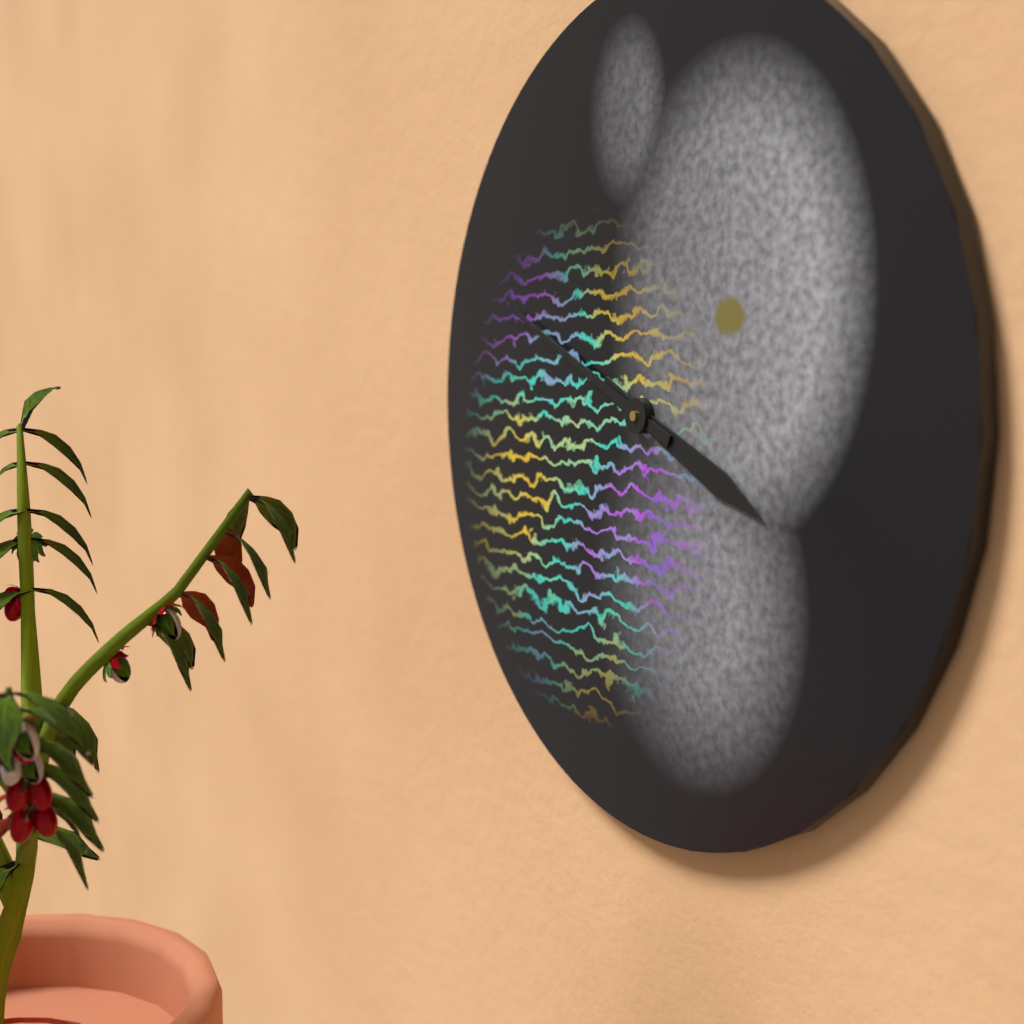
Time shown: {"hour": 3, "minute": 49}
